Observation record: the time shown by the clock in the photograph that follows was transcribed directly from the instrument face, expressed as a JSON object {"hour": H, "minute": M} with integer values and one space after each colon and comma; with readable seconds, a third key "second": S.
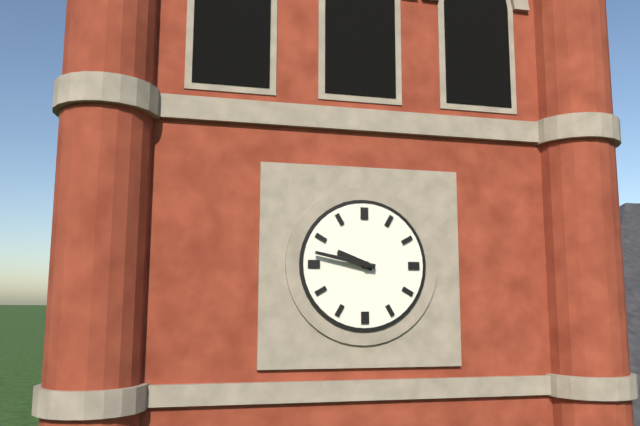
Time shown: {"hour": 9, "minute": 47}
